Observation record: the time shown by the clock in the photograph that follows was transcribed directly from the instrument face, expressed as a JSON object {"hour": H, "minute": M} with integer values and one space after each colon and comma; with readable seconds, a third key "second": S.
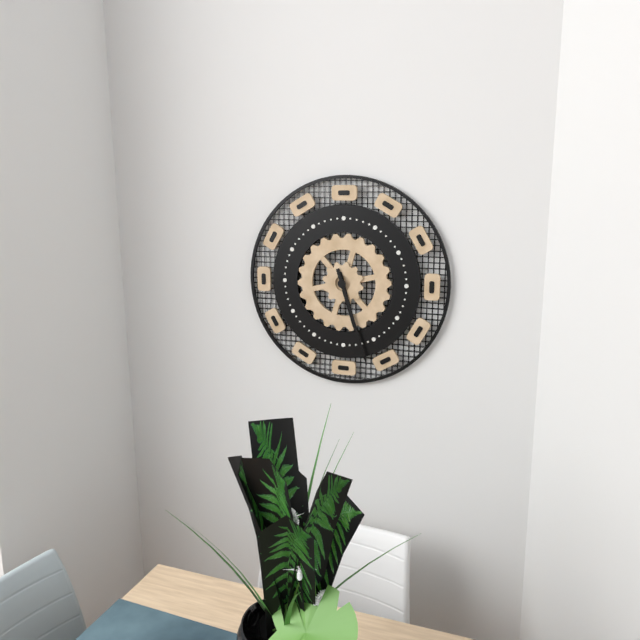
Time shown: {"hour": 5, "minute": 27}
